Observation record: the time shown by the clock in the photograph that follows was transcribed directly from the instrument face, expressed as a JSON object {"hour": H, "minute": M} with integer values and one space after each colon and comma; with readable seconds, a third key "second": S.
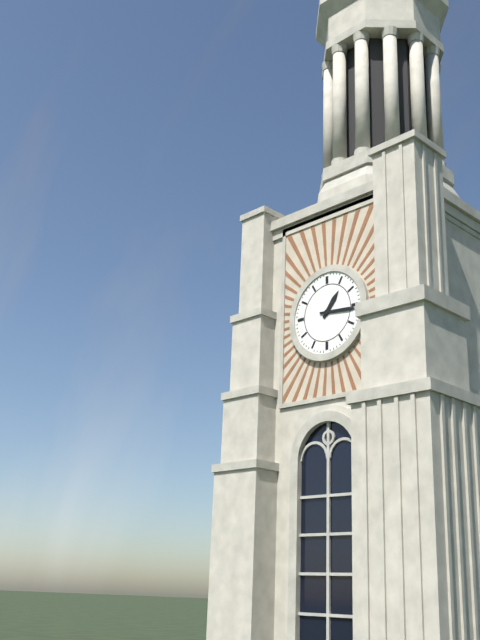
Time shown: {"hour": 1, "minute": 16}
